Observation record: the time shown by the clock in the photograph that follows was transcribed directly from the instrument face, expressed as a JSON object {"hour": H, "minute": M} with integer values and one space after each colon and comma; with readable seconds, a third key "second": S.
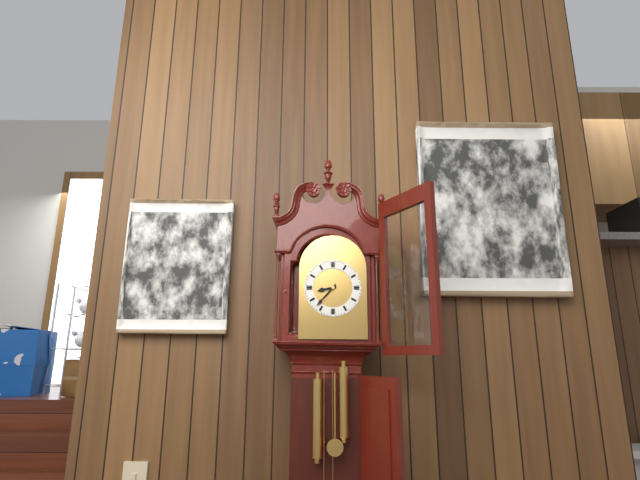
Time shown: {"hour": 8, "minute": 37}
